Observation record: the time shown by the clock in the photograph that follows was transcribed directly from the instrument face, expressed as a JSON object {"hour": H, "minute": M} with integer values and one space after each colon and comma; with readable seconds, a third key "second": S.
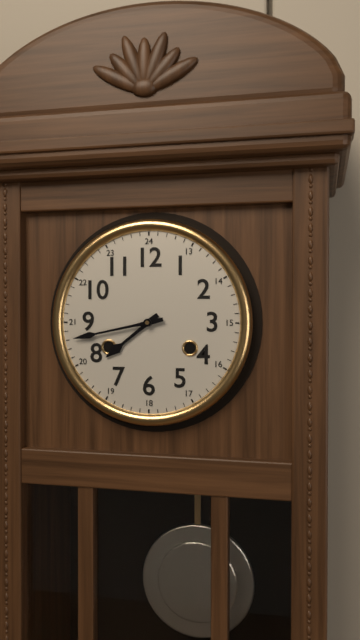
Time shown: {"hour": 7, "minute": 43}
